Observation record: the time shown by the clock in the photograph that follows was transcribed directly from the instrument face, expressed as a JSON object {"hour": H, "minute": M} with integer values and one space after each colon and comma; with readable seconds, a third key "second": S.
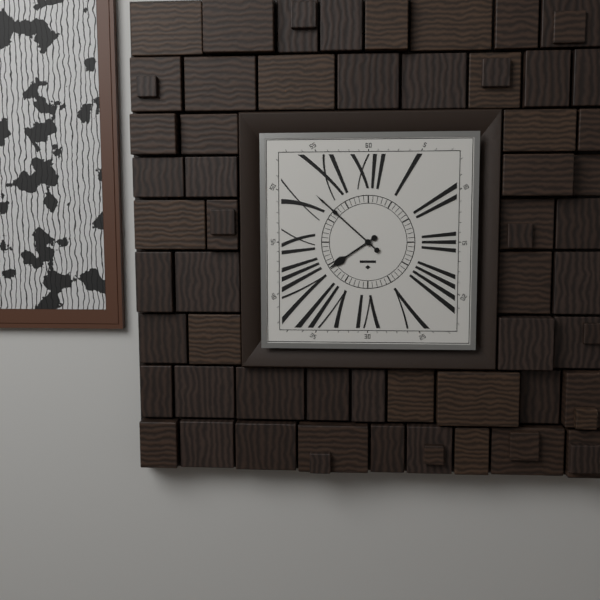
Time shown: {"hour": 7, "minute": 52}
